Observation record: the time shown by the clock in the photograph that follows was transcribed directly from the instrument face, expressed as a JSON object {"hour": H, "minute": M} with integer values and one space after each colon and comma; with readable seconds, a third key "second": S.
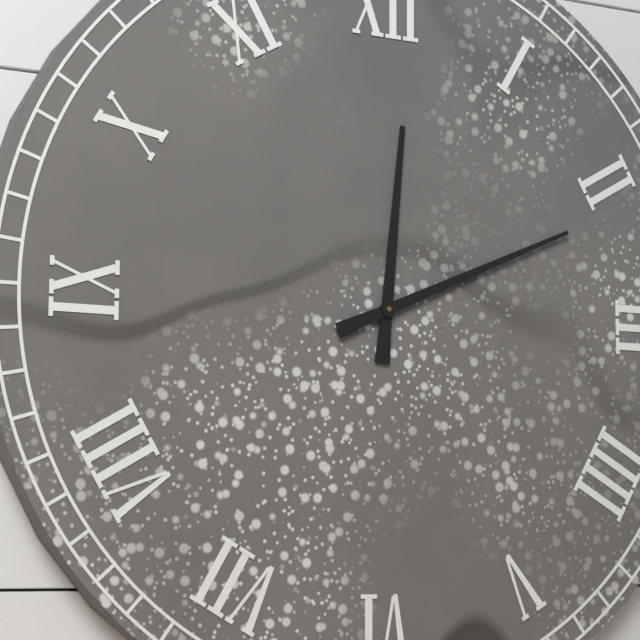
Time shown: {"hour": 12, "minute": 11}
